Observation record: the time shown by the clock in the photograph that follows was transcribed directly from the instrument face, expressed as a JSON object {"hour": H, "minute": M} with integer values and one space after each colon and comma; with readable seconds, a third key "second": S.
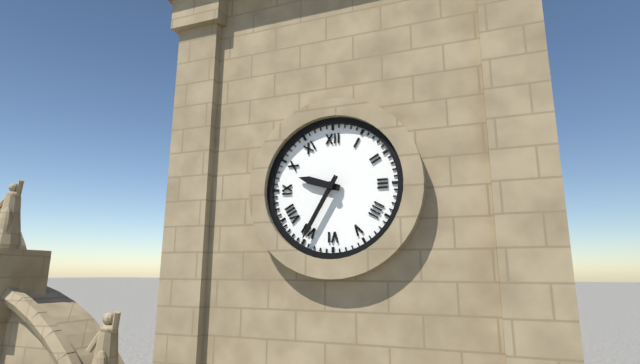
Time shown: {"hour": 9, "minute": 35}
